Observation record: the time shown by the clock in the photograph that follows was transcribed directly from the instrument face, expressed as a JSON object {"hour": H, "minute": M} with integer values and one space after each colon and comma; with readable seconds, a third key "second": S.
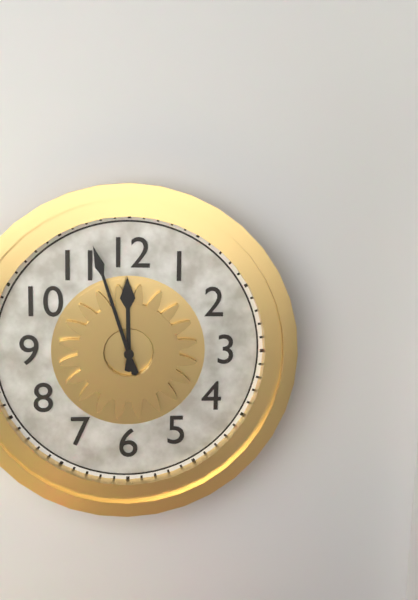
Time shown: {"hour": 11, "minute": 57}
